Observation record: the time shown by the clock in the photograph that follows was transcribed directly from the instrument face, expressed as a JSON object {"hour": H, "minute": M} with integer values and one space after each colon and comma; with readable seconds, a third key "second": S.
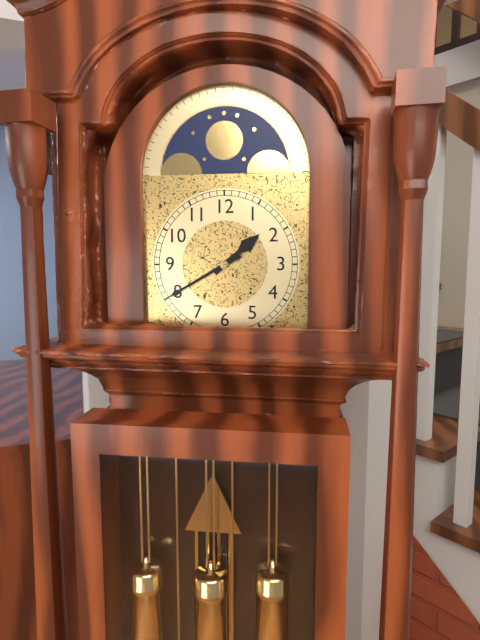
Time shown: {"hour": 1, "minute": 40}
